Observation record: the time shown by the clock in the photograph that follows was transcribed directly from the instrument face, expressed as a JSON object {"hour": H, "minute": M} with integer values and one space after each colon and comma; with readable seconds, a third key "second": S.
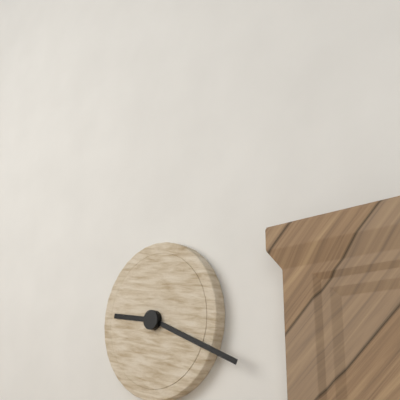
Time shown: {"hour": 9, "minute": 19}
